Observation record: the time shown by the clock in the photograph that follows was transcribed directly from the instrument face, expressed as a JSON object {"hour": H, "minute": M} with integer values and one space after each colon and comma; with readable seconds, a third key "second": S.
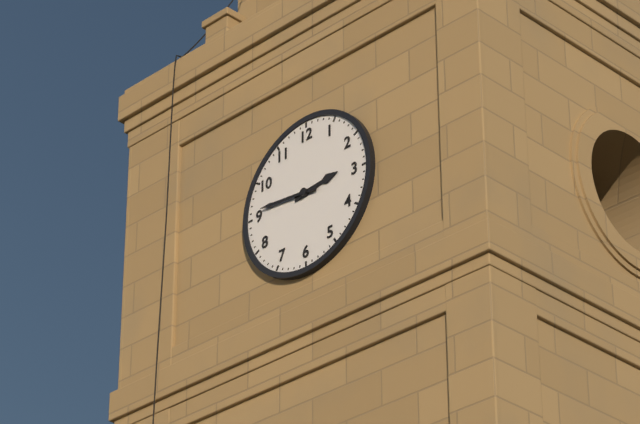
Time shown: {"hour": 2, "minute": 46}
